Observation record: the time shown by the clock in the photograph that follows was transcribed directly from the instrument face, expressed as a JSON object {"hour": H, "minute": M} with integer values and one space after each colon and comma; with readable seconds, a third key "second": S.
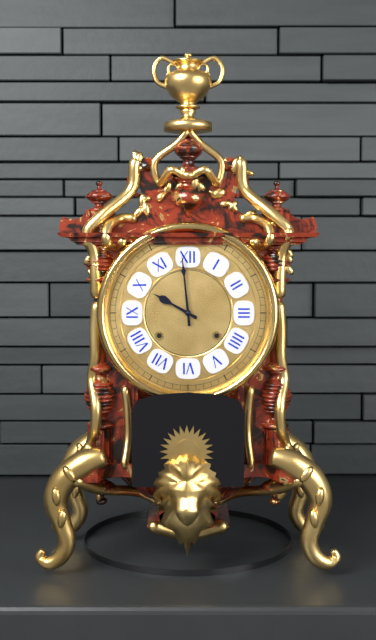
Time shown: {"hour": 9, "minute": 59}
